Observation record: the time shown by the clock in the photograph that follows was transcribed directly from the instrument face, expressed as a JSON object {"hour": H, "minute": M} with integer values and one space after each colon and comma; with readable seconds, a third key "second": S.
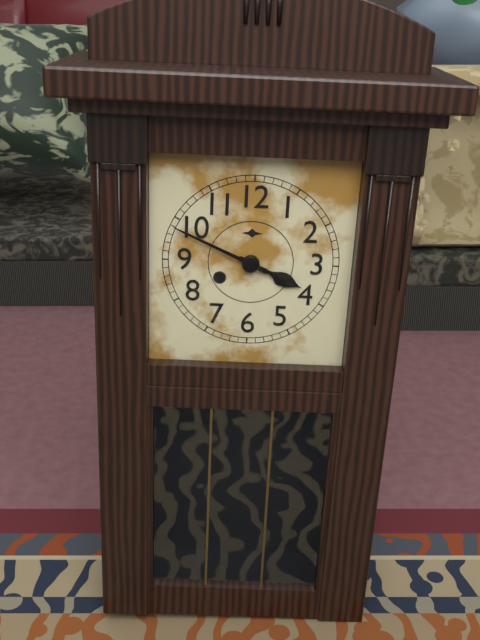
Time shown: {"hour": 3, "minute": 49}
